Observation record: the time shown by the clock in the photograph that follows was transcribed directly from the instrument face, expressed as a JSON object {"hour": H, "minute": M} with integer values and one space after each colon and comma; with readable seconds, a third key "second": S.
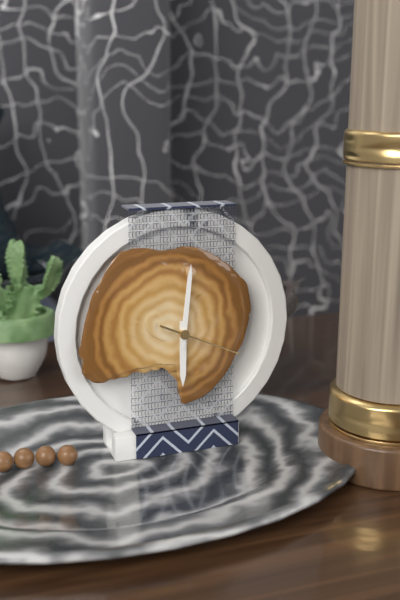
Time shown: {"hour": 6, "minute": 1, "second": 19}
